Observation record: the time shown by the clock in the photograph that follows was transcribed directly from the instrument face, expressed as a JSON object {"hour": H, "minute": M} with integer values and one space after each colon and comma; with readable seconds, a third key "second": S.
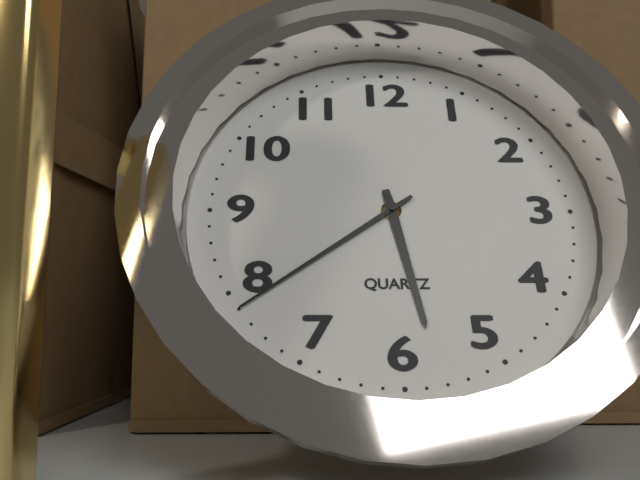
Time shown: {"hour": 5, "minute": 39}
